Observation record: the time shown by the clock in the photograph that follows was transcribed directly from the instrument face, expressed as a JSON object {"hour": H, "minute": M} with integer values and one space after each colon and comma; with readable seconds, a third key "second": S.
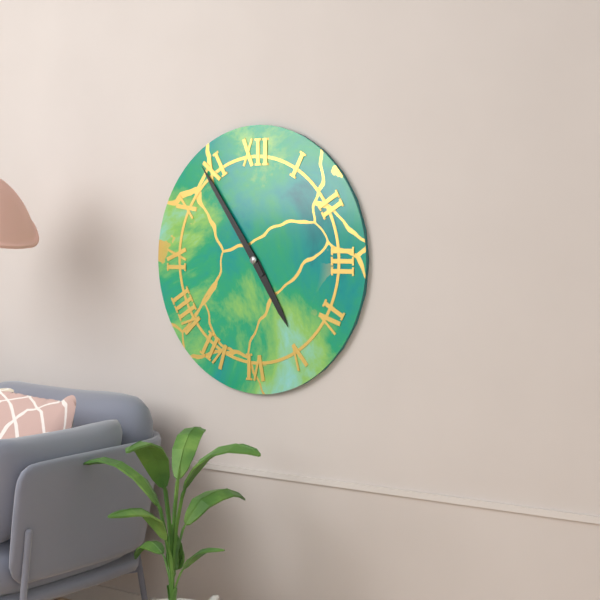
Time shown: {"hour": 4, "minute": 54}
